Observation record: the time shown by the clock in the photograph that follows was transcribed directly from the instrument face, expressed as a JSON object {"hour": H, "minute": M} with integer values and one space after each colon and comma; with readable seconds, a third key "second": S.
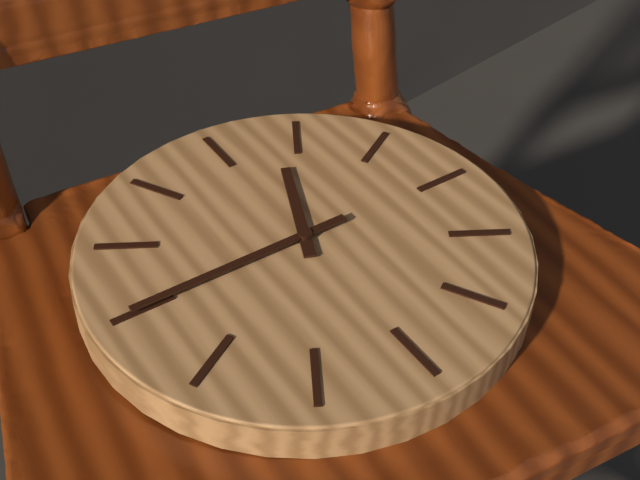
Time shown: {"hour": 12, "minute": 45}
